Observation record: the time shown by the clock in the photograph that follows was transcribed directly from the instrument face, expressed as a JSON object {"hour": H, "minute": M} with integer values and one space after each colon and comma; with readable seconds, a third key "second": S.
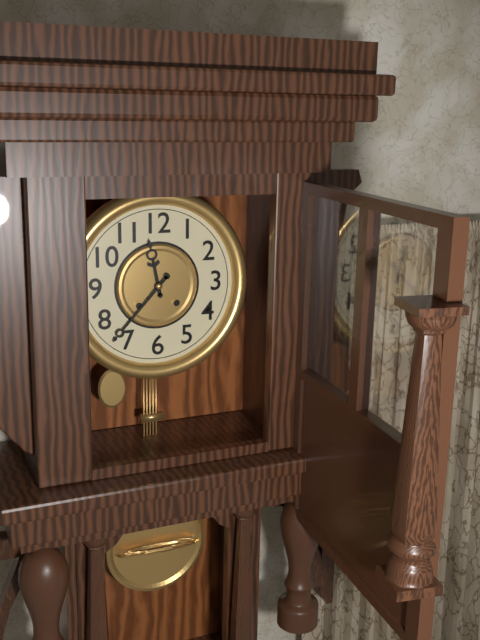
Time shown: {"hour": 11, "minute": 37}
